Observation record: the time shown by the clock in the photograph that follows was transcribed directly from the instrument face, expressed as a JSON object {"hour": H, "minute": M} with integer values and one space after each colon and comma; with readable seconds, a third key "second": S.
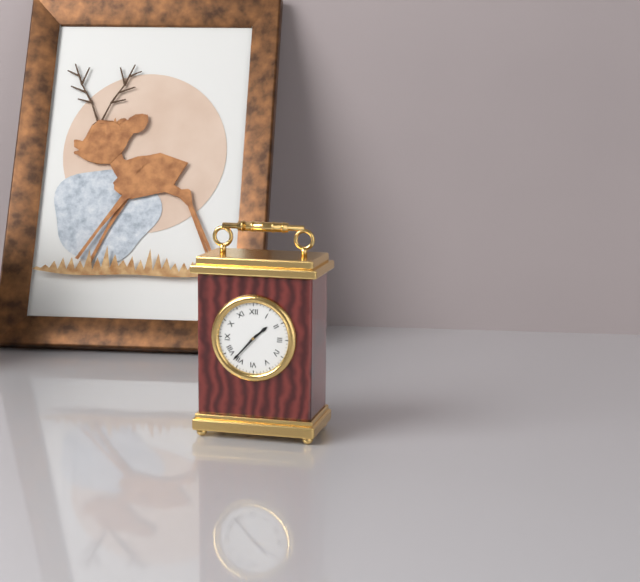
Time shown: {"hour": 1, "minute": 37}
